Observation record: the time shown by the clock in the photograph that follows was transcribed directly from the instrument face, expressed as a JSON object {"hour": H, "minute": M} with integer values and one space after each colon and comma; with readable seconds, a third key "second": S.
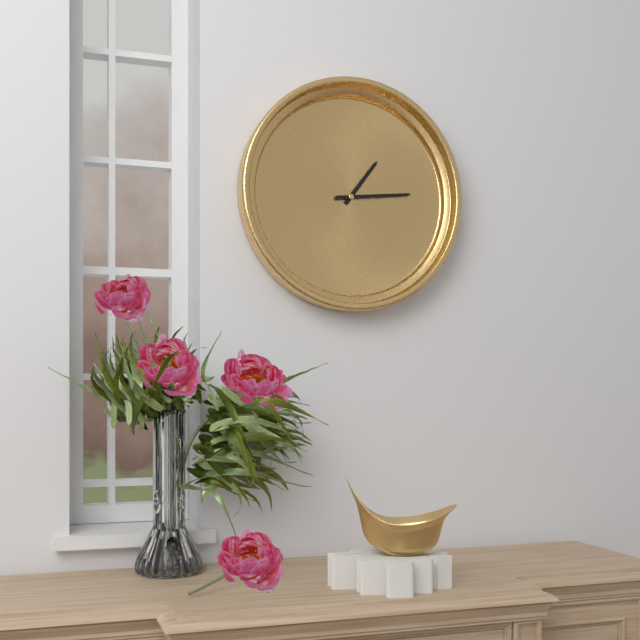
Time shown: {"hour": 1, "minute": 14}
